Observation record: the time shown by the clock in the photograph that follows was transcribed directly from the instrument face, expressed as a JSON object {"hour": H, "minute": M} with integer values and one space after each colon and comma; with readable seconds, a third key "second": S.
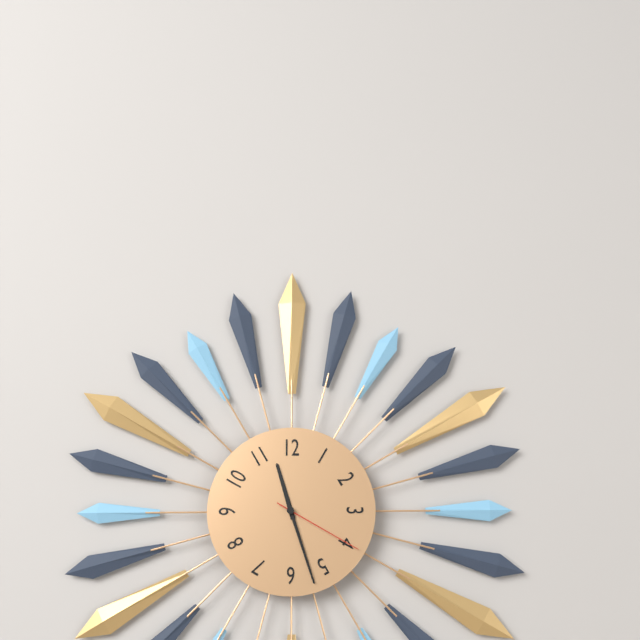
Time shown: {"hour": 11, "minute": 27, "second": 20}
